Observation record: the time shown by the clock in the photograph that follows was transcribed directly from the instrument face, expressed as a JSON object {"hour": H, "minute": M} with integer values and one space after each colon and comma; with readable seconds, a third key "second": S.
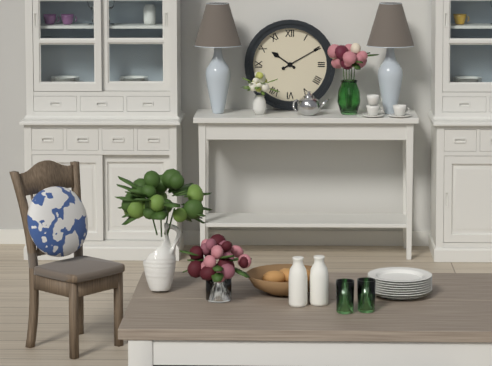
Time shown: {"hour": 10, "minute": 10}
